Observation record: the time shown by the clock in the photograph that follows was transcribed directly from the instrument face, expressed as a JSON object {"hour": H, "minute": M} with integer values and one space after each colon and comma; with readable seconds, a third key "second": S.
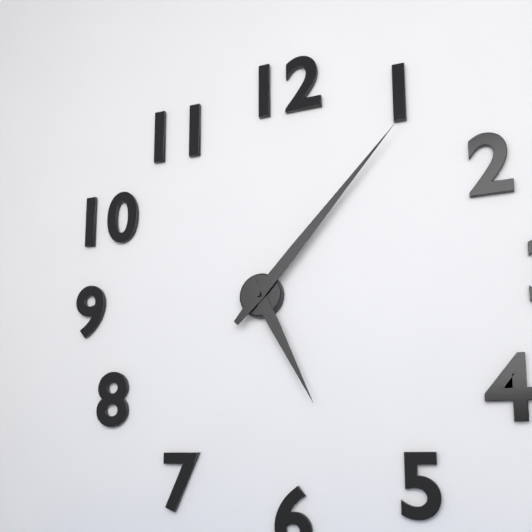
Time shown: {"hour": 5, "minute": 7}
